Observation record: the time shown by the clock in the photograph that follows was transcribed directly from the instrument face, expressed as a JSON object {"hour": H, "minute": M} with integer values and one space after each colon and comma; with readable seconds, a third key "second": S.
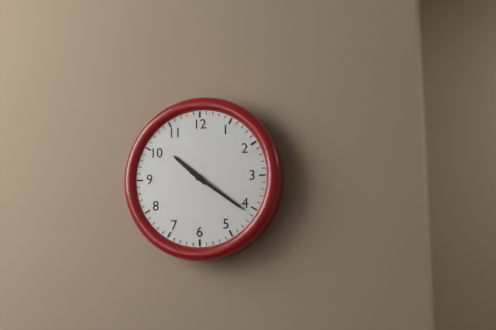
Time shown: {"hour": 10, "minute": 21}
